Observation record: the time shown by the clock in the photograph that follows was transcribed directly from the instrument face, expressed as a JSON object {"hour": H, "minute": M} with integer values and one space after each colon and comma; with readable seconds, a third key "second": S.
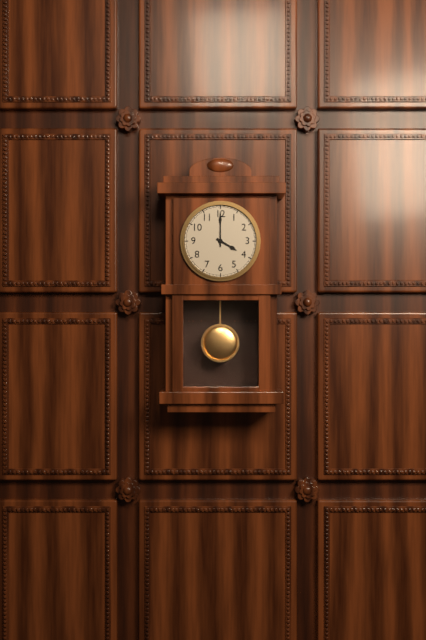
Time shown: {"hour": 4, "minute": 0}
